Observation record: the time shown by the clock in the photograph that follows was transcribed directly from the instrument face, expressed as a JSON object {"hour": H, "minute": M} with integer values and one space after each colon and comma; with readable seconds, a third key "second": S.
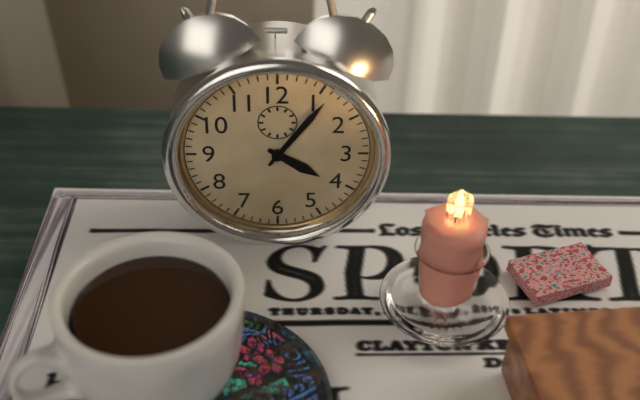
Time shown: {"hour": 4, "minute": 6}
